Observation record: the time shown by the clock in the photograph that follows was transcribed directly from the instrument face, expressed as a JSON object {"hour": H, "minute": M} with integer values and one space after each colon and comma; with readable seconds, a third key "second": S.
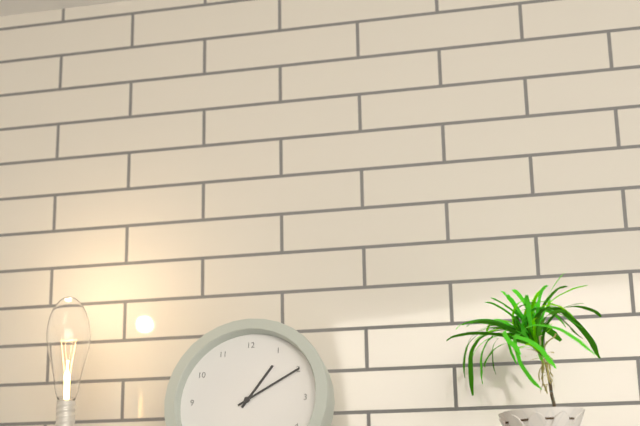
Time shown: {"hour": 1, "minute": 10}
